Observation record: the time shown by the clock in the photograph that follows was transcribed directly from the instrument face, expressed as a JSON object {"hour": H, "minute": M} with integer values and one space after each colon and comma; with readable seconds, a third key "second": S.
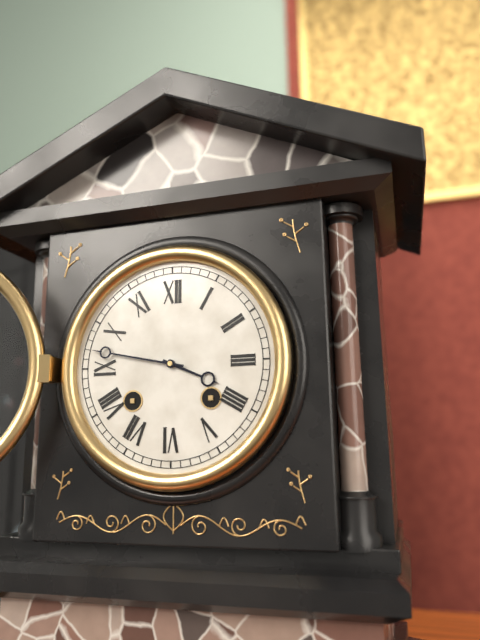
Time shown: {"hour": 3, "minute": 47}
